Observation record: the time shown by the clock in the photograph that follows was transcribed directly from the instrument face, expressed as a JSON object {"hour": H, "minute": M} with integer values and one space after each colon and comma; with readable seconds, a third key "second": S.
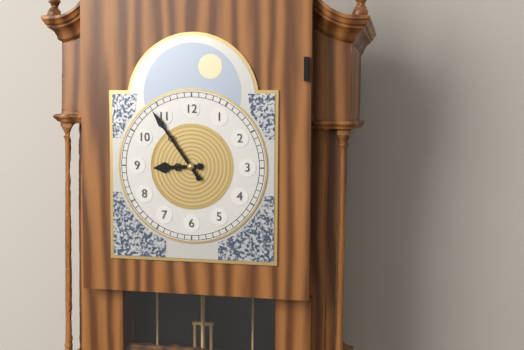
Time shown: {"hour": 8, "minute": 54}
